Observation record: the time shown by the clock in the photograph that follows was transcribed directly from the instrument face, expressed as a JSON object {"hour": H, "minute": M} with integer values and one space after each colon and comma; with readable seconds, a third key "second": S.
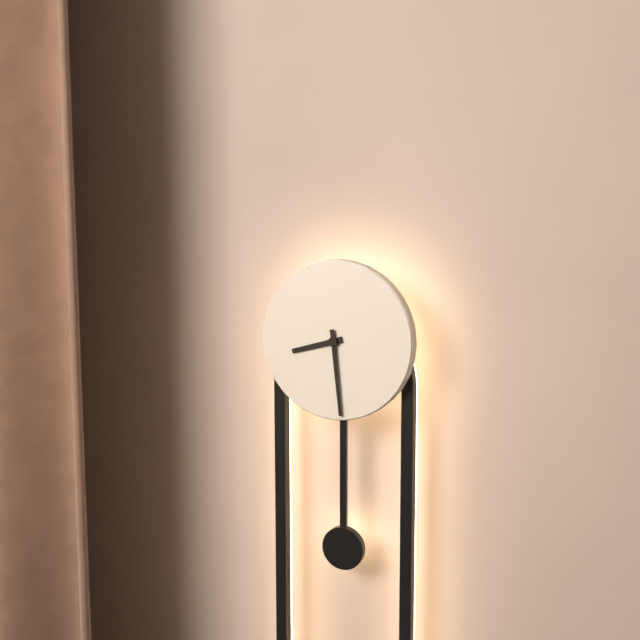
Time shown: {"hour": 8, "minute": 29}
